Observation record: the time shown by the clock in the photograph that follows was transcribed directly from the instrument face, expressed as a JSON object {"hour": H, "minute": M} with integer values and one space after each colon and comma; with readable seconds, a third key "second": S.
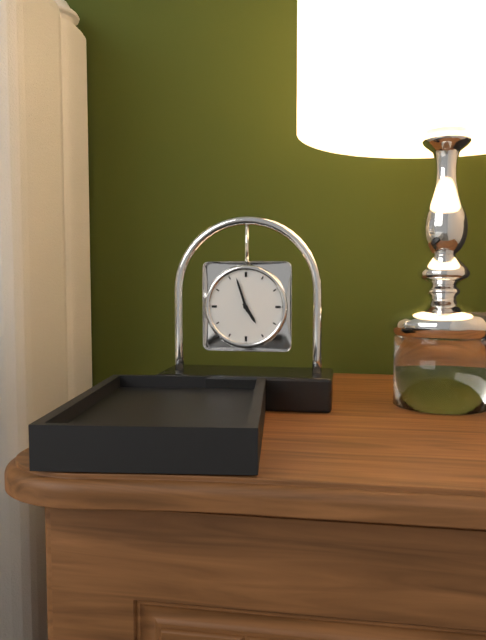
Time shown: {"hour": 4, "minute": 57}
